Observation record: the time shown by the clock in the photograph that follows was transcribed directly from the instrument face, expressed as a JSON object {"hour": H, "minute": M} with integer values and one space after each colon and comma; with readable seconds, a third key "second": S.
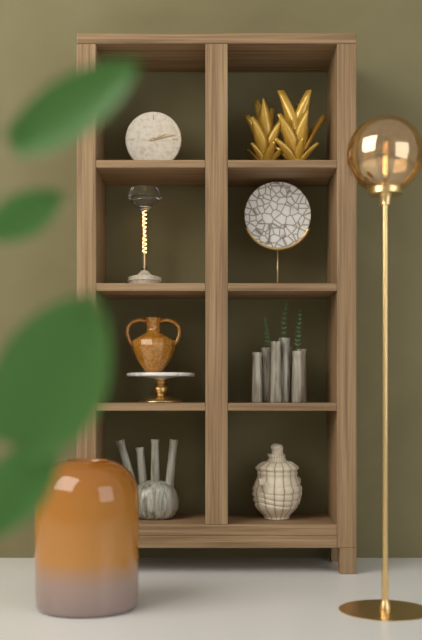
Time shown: {"hour": 2, "minute": 13}
